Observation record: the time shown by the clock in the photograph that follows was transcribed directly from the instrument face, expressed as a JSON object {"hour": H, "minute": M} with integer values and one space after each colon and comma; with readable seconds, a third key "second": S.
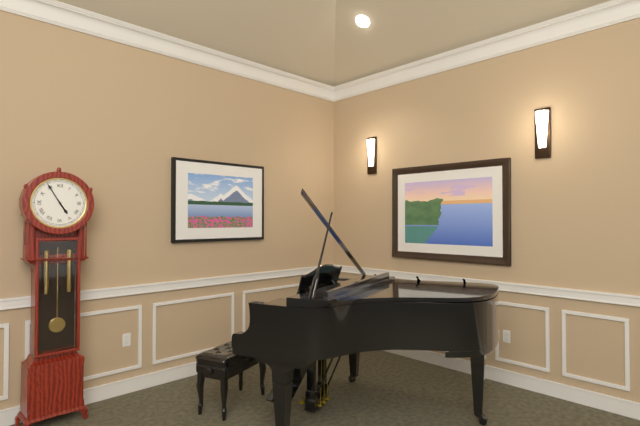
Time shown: {"hour": 4, "minute": 55}
